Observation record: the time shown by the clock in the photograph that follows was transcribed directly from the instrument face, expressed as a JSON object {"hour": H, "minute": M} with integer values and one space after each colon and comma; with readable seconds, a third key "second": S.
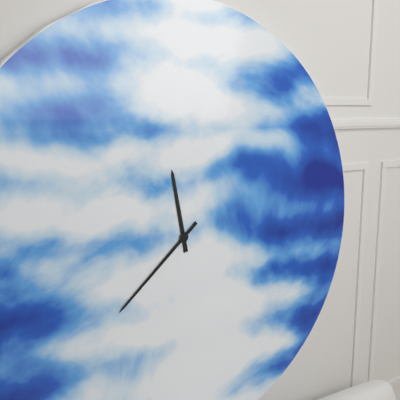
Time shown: {"hour": 11, "minute": 38}
